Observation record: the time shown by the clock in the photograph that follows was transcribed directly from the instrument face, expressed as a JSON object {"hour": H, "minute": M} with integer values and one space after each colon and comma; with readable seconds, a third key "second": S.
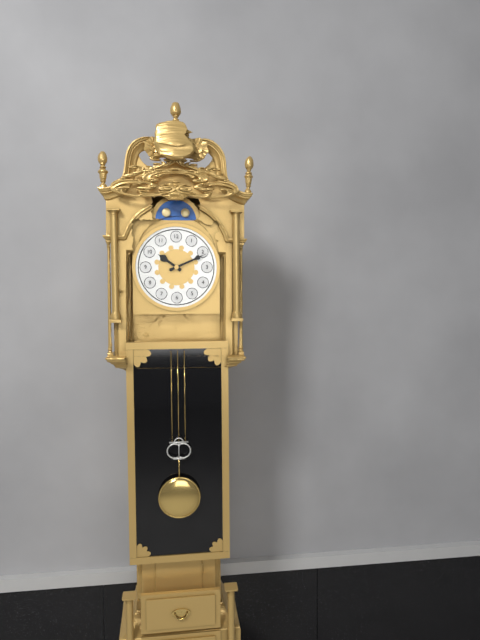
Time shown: {"hour": 10, "minute": 11}
